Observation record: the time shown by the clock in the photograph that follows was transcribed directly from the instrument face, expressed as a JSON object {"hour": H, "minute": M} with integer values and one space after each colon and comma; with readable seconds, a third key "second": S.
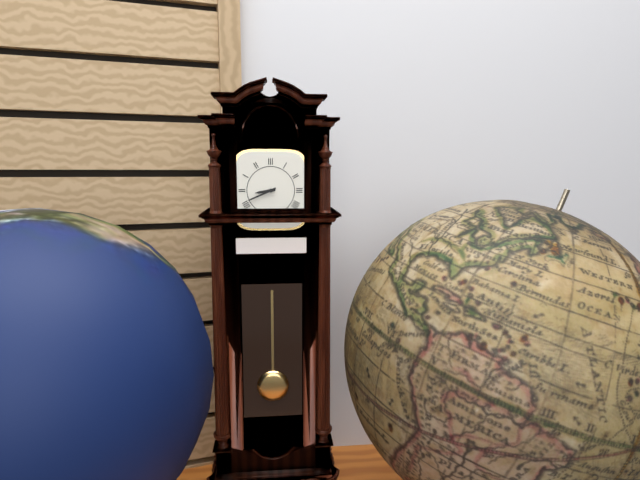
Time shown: {"hour": 8, "minute": 41}
